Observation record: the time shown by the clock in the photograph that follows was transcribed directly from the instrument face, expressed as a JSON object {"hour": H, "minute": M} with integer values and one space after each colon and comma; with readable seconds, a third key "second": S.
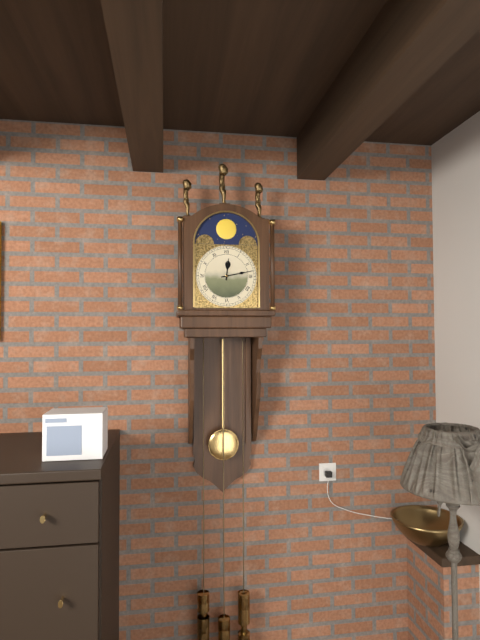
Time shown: {"hour": 12, "minute": 13}
